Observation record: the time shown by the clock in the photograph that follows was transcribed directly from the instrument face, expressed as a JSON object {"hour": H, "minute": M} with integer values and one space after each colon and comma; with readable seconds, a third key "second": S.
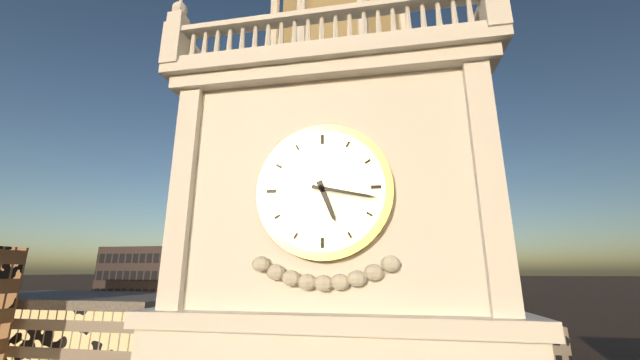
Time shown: {"hour": 5, "minute": 17}
